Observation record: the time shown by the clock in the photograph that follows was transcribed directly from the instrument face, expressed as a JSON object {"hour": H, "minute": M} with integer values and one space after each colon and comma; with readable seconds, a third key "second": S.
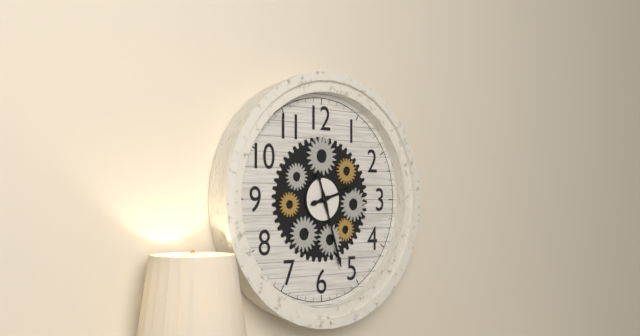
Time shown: {"hour": 2, "minute": 27}
